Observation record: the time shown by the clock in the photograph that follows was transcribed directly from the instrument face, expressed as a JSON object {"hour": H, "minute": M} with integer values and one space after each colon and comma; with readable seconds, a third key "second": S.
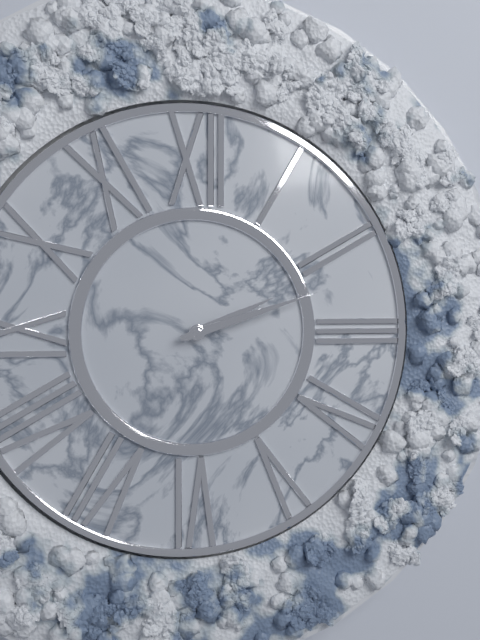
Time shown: {"hour": 2, "minute": 12}
